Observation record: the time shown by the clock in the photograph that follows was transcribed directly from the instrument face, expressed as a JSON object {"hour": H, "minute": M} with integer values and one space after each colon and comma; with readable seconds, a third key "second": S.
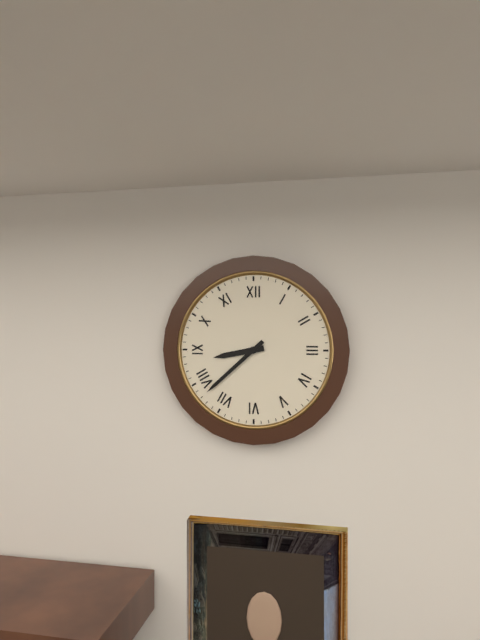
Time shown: {"hour": 8, "minute": 38}
